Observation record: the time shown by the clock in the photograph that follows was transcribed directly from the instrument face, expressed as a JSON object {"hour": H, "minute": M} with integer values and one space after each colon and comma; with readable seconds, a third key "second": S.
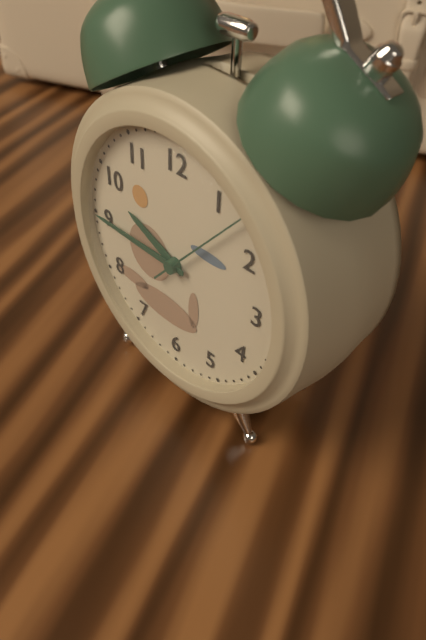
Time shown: {"hour": 9, "minute": 45, "second": 7}
